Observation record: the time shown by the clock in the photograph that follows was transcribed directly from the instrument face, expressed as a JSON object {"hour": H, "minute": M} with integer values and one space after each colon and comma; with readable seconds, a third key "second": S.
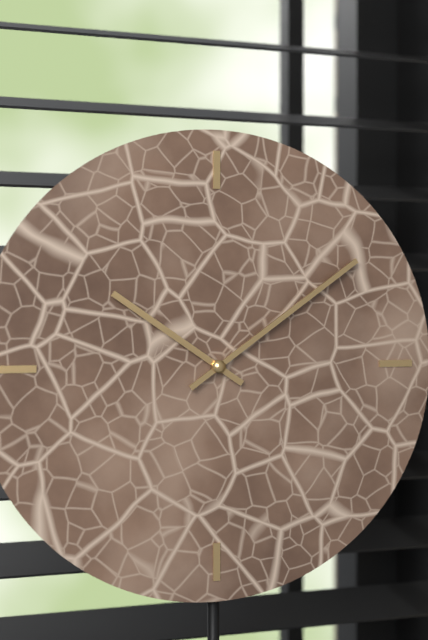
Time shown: {"hour": 10, "minute": 9}
